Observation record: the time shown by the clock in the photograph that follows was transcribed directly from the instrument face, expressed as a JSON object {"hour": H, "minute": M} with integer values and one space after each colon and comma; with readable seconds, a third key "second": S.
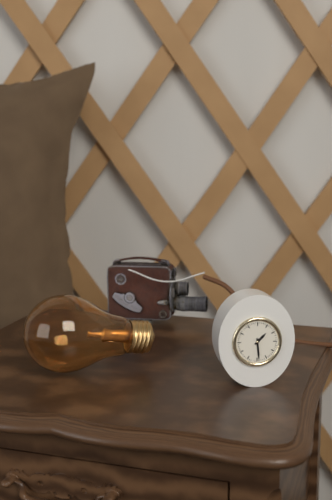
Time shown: {"hour": 1, "minute": 29}
